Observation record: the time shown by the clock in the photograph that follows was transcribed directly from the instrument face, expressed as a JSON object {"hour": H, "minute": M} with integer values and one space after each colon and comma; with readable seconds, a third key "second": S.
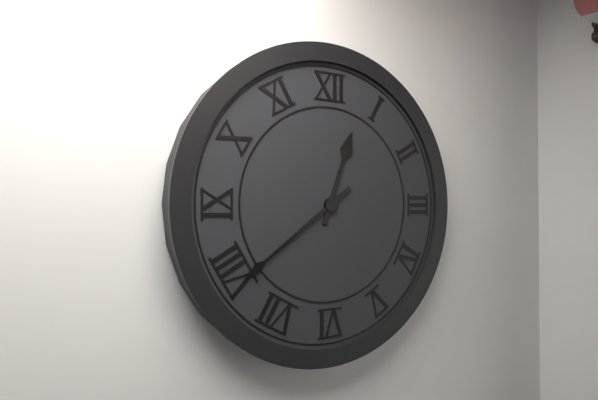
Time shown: {"hour": 12, "minute": 39}
